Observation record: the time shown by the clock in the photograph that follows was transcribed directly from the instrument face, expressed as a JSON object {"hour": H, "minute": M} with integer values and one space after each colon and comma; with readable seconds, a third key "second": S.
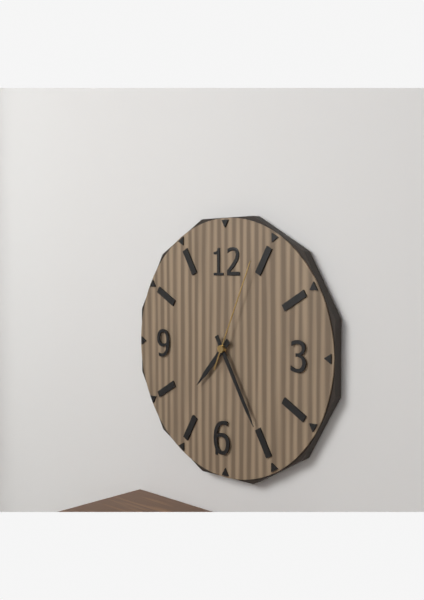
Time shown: {"hour": 7, "minute": 25, "second": 4}
